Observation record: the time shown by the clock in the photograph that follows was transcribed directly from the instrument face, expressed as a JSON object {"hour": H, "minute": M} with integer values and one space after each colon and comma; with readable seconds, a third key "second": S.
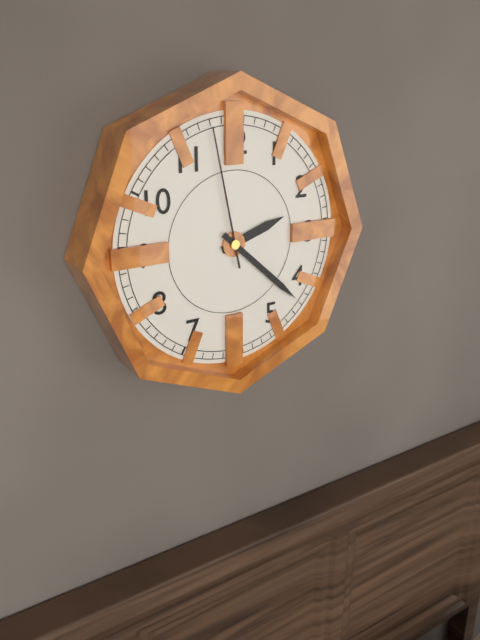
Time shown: {"hour": 2, "minute": 22, "second": 58}
